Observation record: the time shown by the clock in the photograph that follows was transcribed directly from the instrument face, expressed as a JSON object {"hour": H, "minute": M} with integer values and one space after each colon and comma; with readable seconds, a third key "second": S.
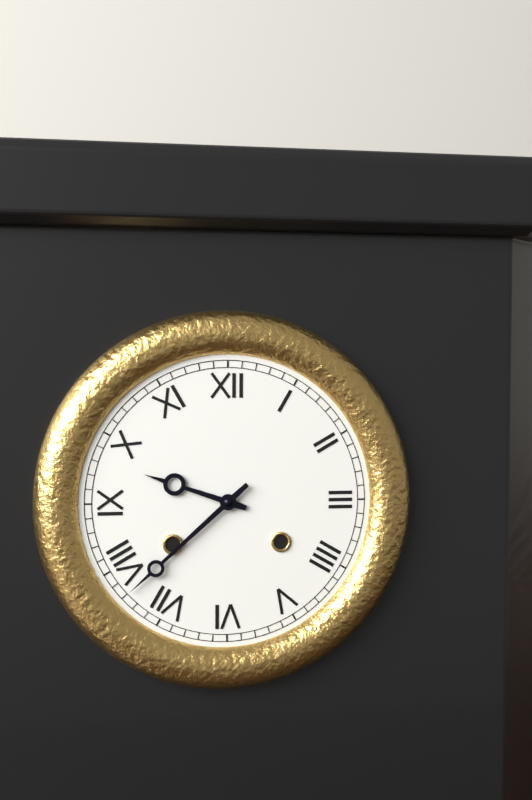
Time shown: {"hour": 9, "minute": 38}
